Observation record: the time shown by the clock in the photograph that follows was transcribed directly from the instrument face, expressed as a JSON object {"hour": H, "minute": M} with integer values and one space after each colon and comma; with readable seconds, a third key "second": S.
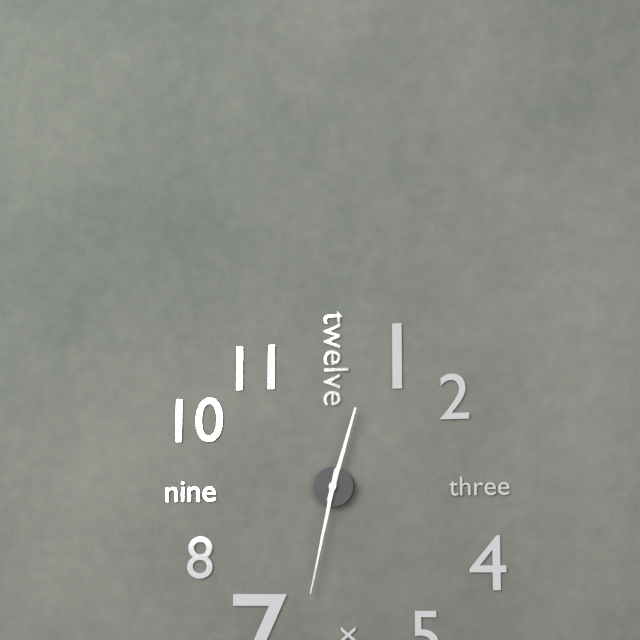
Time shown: {"hour": 12, "minute": 32}
